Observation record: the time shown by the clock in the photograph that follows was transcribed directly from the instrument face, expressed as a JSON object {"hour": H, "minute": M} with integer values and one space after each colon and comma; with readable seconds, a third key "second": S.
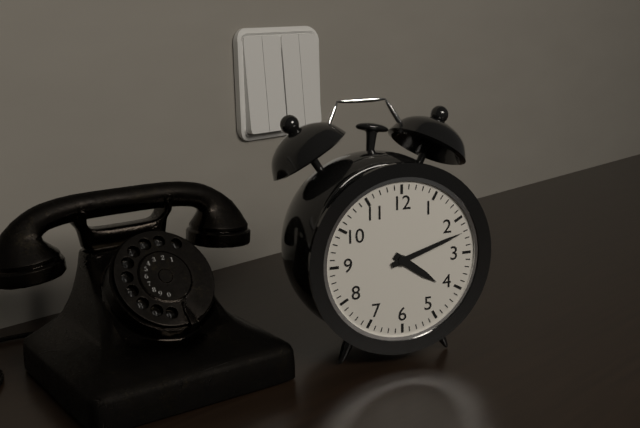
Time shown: {"hour": 4, "minute": 12}
